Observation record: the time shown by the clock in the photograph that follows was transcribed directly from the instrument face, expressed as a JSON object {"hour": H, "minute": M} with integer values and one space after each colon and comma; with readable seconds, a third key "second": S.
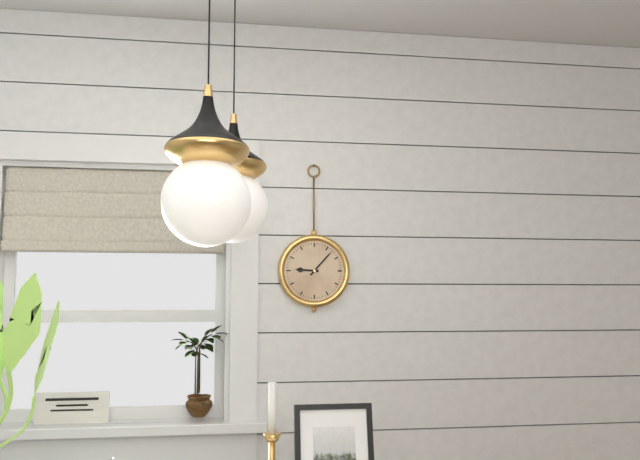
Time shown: {"hour": 9, "minute": 7}
